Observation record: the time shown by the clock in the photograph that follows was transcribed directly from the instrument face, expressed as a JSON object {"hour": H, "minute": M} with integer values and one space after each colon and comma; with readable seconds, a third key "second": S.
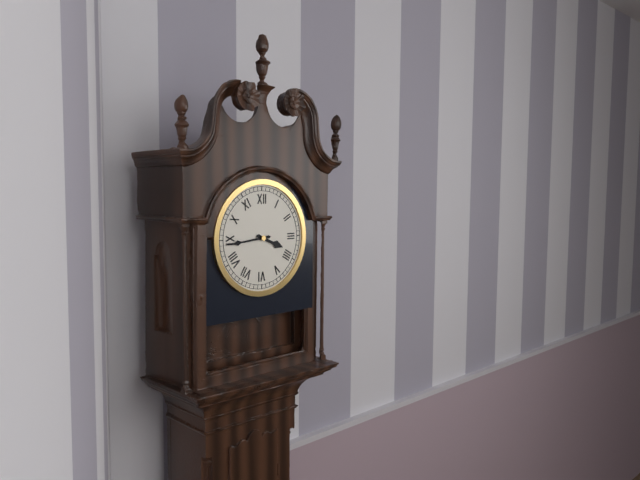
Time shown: {"hour": 3, "minute": 44}
